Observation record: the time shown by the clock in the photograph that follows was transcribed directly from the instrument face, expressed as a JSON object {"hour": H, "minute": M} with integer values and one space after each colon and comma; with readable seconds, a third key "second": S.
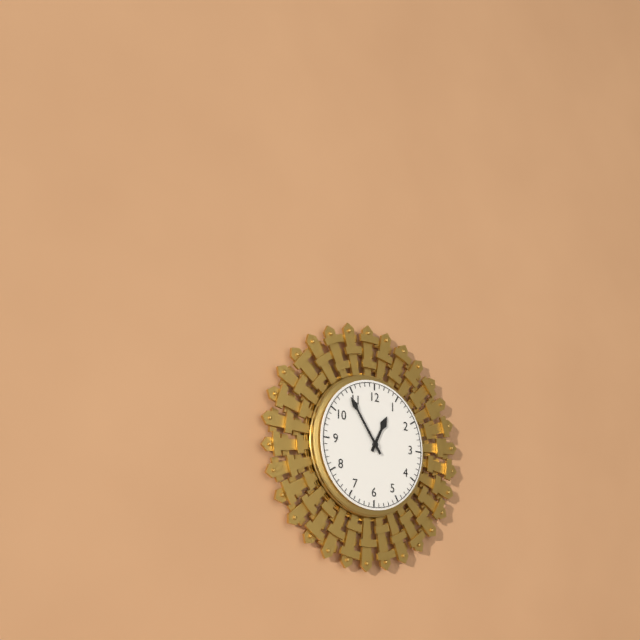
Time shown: {"hour": 12, "minute": 54}
